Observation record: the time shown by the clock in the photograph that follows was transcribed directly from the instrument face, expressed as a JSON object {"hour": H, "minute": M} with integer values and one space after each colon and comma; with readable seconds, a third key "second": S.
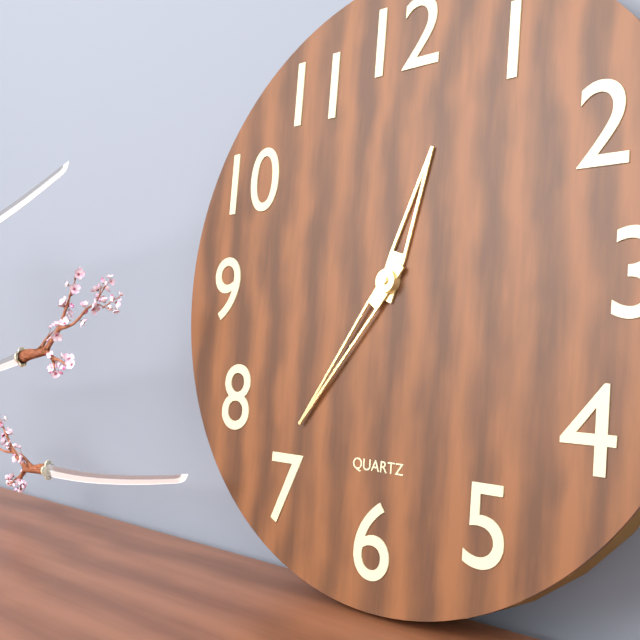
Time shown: {"hour": 12, "minute": 36}
